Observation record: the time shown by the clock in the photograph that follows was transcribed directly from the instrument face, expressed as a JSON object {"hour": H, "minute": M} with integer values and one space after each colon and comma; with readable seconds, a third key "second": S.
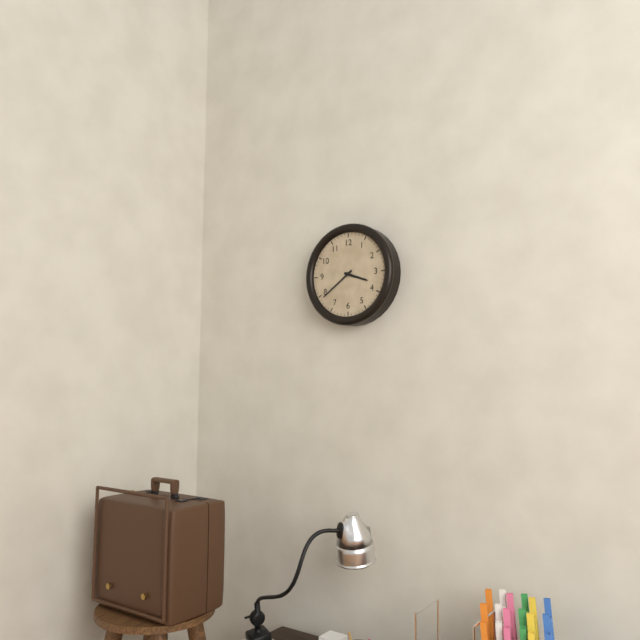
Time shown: {"hour": 3, "minute": 39}
